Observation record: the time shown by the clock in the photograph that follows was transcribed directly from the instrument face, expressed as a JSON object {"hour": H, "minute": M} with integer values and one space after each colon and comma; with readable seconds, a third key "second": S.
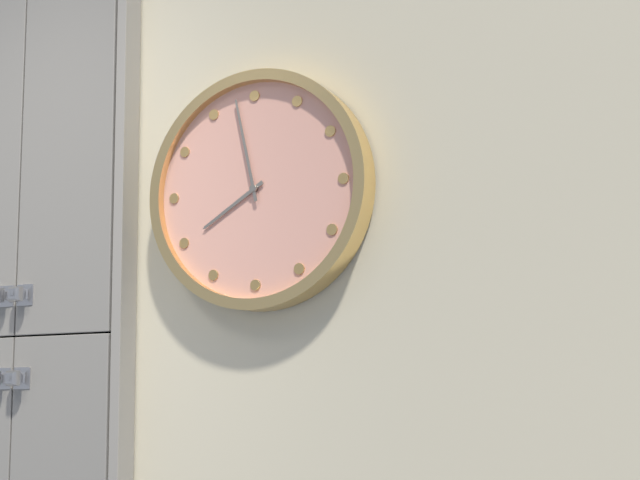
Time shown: {"hour": 7, "minute": 58}
